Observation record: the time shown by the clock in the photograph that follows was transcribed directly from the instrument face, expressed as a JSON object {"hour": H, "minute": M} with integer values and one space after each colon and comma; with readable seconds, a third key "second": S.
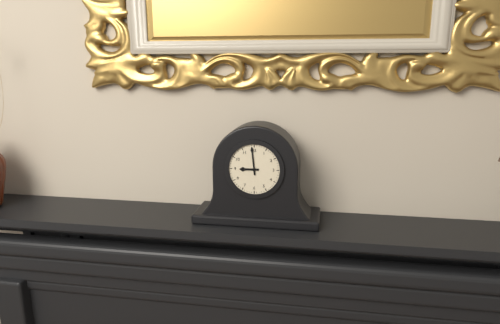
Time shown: {"hour": 8, "minute": 59}
